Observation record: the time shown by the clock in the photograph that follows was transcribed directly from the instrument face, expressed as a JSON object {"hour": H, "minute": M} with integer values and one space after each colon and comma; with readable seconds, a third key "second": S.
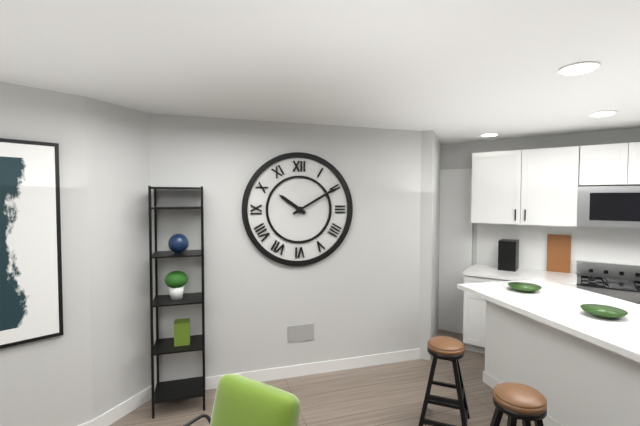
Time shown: {"hour": 10, "minute": 10}
